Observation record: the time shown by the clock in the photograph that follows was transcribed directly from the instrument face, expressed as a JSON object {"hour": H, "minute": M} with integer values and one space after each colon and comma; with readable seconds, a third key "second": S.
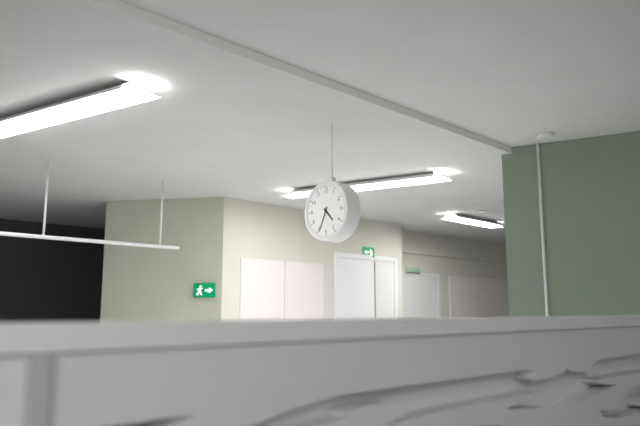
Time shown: {"hour": 4, "minute": 34}
